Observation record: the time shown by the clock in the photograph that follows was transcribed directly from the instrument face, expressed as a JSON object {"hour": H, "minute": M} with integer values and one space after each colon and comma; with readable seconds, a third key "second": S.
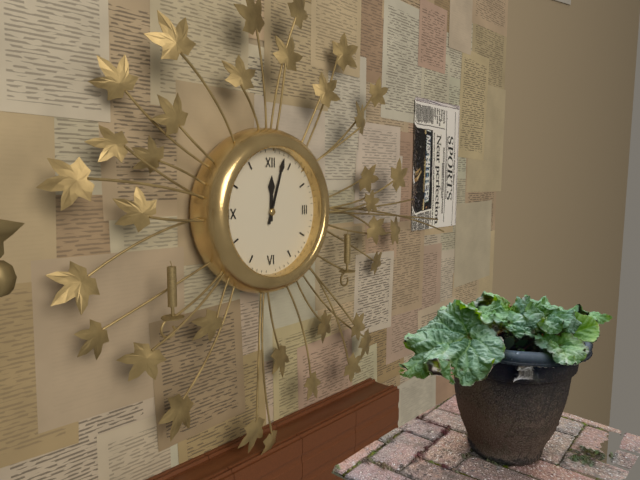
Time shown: {"hour": 12, "minute": 3}
